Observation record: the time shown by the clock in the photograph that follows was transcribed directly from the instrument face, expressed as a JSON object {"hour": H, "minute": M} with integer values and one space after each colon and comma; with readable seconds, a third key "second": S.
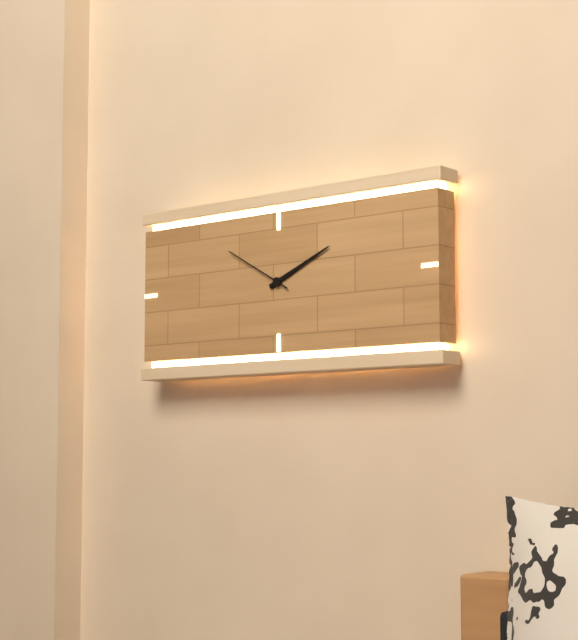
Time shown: {"hour": 2, "minute": 11, "second": 50}
